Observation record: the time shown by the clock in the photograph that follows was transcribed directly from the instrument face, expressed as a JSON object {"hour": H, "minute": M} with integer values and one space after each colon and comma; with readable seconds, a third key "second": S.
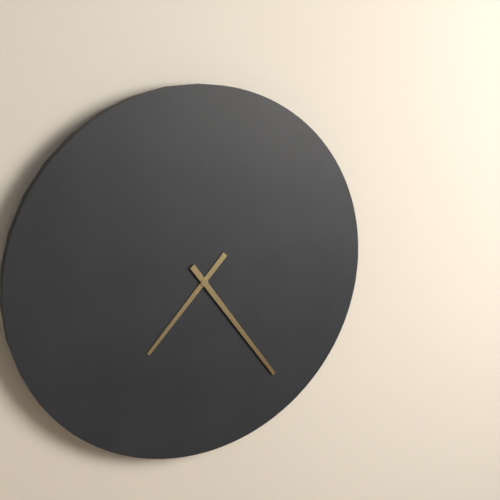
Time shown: {"hour": 7, "minute": 24}
